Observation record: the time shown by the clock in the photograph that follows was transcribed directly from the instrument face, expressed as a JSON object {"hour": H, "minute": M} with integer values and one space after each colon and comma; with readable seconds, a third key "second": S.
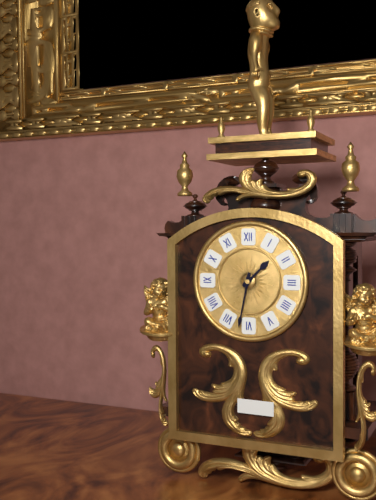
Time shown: {"hour": 1, "minute": 32}
